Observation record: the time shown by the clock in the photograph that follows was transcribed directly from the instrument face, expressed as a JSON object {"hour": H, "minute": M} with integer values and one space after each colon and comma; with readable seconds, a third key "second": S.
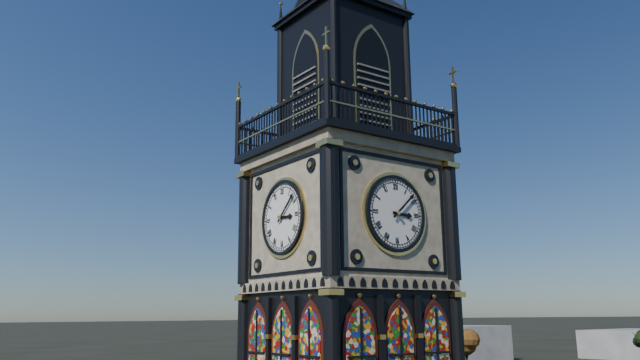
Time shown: {"hour": 3, "minute": 8}
